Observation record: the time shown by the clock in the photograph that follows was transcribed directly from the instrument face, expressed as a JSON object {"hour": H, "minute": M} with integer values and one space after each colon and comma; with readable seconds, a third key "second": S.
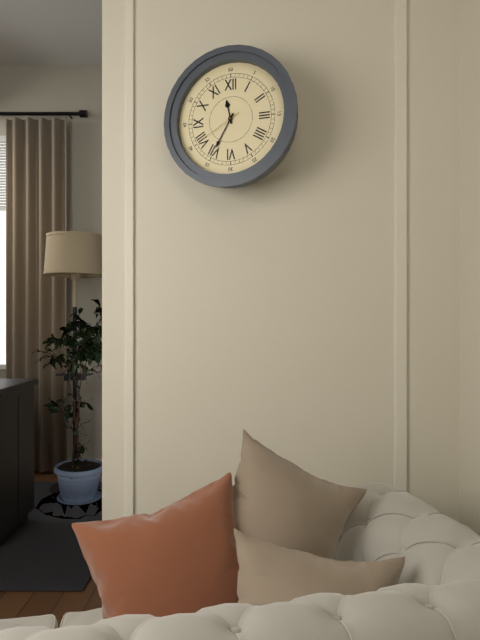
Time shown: {"hour": 11, "minute": 35}
